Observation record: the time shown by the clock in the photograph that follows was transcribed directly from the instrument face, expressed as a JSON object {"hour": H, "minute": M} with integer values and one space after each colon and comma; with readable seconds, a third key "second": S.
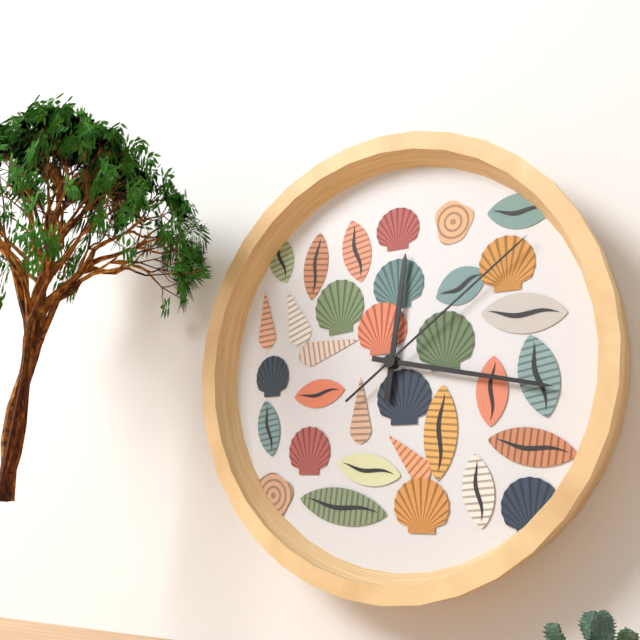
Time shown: {"hour": 12, "minute": 17, "second": 9}
